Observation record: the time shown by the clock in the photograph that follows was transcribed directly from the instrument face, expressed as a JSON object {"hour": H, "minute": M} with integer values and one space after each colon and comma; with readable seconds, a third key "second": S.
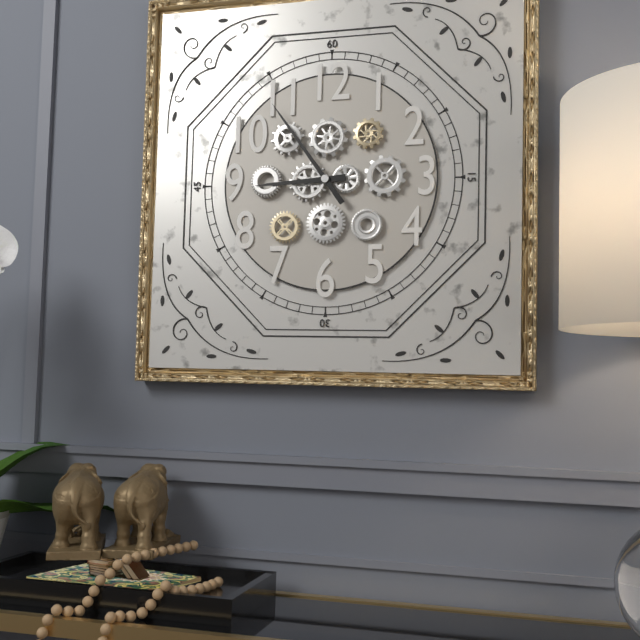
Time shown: {"hour": 8, "minute": 54}
